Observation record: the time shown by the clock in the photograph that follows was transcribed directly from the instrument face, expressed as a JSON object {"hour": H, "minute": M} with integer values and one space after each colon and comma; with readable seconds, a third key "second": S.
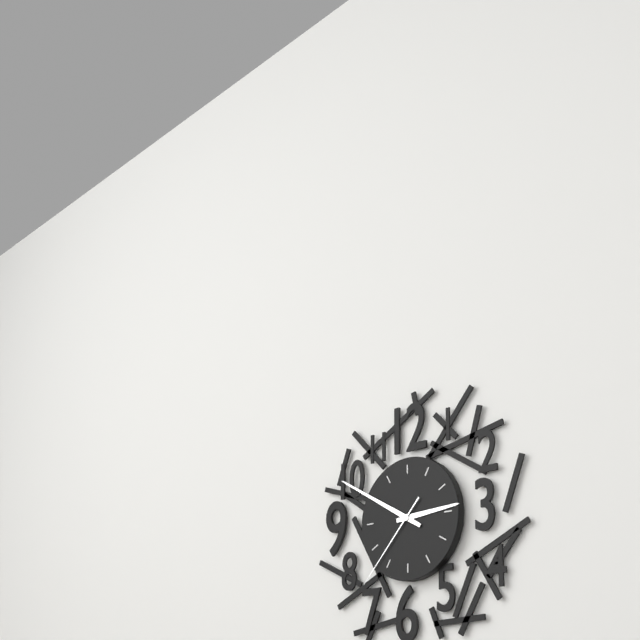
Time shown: {"hour": 2, "minute": 50, "second": 37}
